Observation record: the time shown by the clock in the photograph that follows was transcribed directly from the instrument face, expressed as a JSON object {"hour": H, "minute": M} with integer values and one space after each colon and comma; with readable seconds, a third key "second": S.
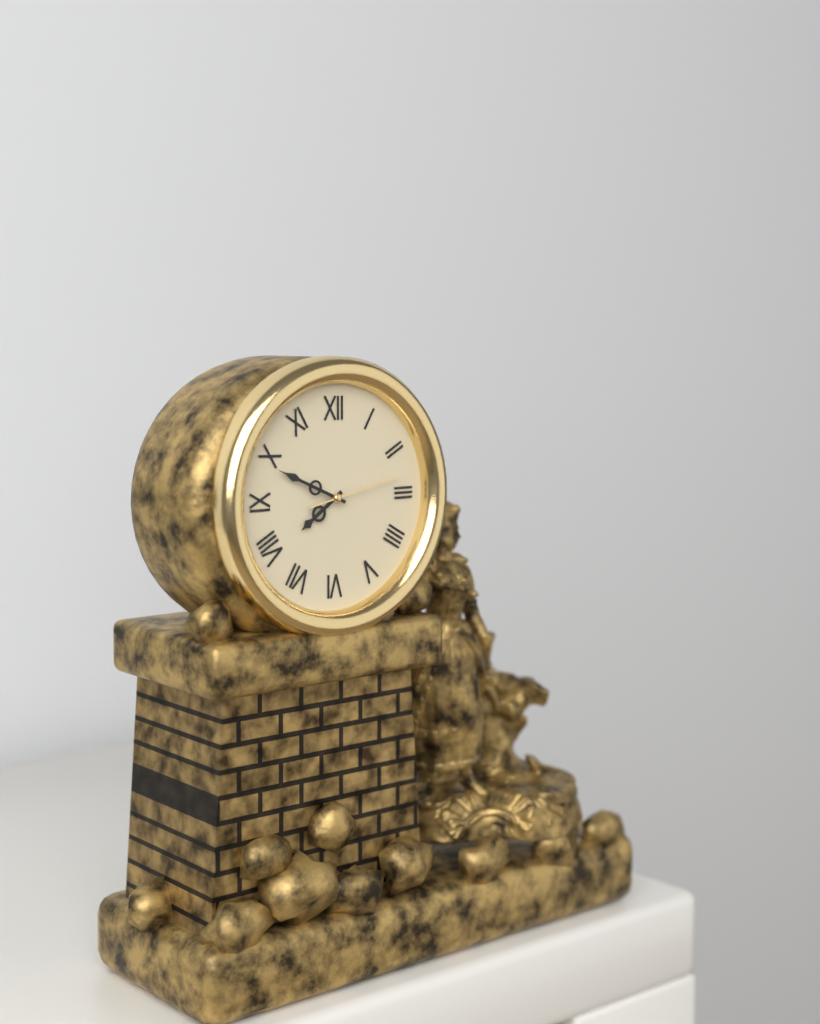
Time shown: {"hour": 7, "minute": 49, "second": 13}
